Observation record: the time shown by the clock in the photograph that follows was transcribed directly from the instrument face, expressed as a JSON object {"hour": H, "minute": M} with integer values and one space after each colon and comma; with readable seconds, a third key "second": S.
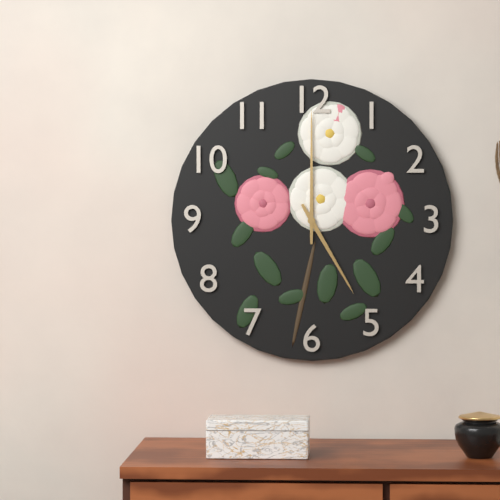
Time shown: {"hour": 5, "minute": 0}
